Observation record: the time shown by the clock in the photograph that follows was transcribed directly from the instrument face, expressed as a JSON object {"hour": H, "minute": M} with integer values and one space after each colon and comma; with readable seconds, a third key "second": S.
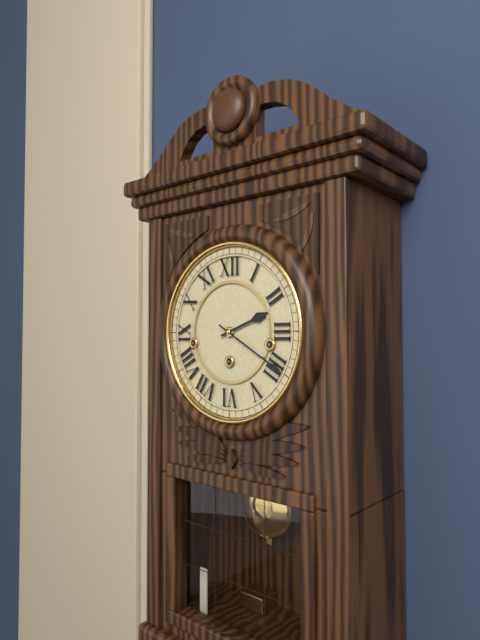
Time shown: {"hour": 2, "minute": 20}
